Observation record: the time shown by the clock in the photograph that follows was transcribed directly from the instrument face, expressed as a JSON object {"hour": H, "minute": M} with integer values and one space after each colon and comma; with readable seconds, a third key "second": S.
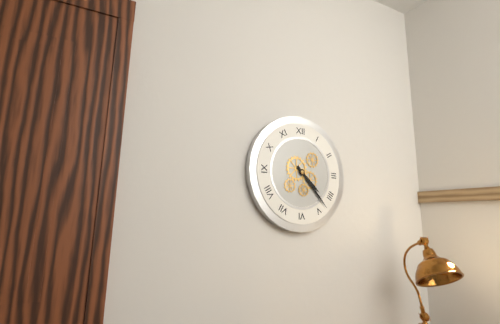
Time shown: {"hour": 4, "minute": 23}
